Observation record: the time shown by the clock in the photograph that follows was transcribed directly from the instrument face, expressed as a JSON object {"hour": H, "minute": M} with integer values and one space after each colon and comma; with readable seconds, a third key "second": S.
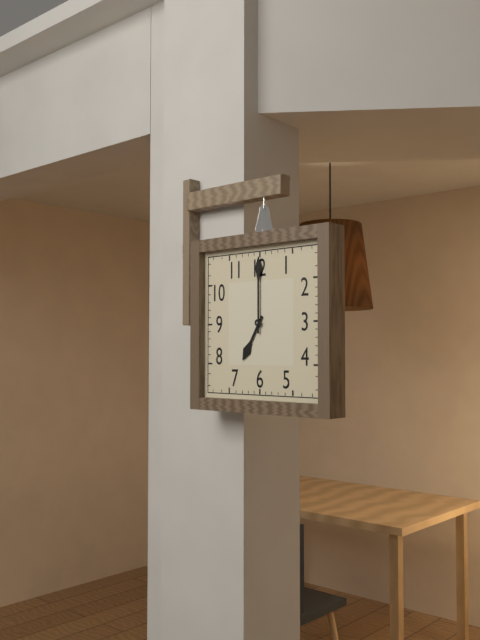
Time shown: {"hour": 7, "minute": 0}
